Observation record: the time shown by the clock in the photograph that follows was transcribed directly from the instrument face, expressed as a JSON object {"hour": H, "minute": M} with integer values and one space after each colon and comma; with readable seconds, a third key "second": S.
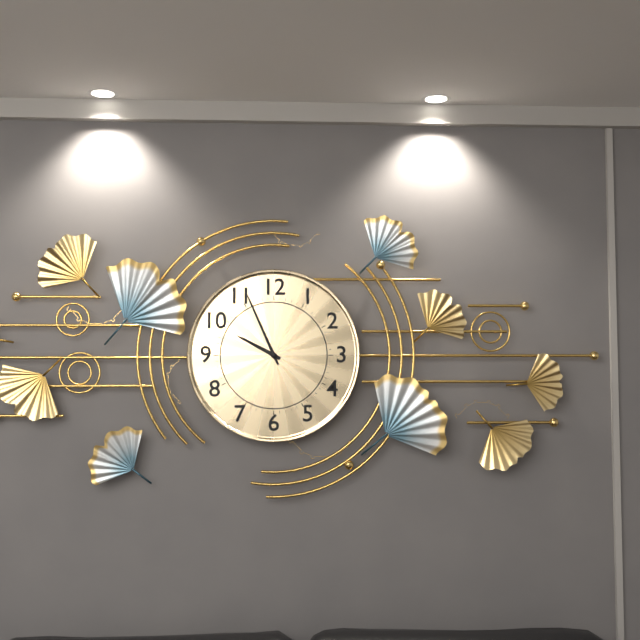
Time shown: {"hour": 9, "minute": 56}
